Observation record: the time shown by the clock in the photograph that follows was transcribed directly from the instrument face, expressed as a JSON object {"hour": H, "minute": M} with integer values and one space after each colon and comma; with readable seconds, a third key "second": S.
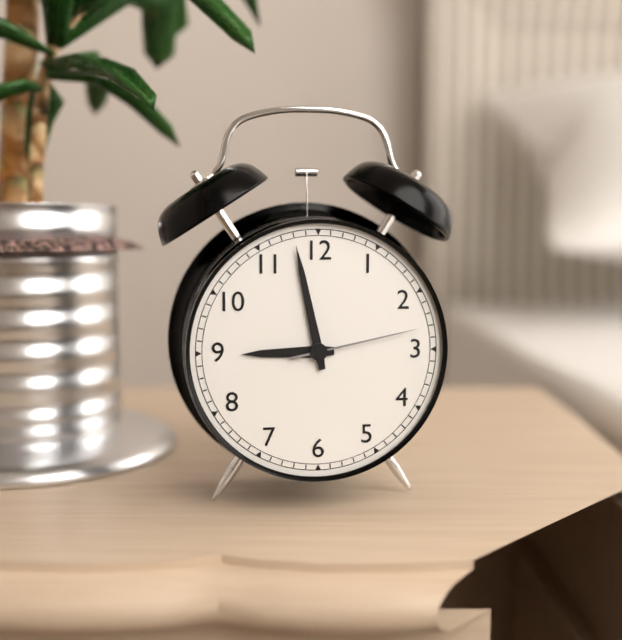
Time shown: {"hour": 8, "minute": 58, "second": 13}
